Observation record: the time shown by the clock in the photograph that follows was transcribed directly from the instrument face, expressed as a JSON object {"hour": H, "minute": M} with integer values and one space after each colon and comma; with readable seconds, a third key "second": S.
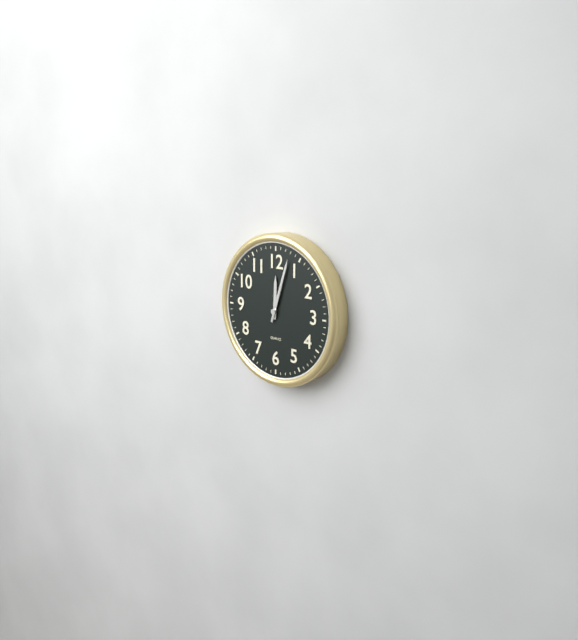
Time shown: {"hour": 12, "minute": 3}
